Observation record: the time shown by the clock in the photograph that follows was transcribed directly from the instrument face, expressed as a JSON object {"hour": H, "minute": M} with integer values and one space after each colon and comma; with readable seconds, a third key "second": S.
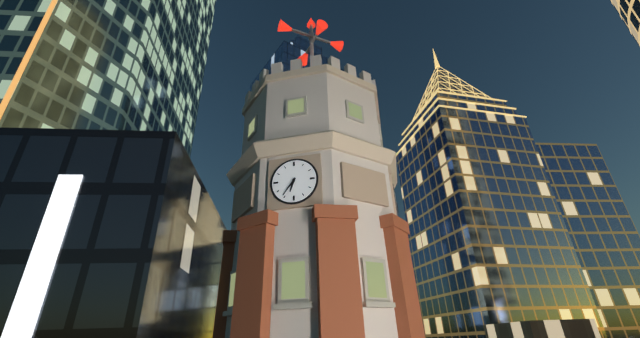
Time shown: {"hour": 6, "minute": 36}
